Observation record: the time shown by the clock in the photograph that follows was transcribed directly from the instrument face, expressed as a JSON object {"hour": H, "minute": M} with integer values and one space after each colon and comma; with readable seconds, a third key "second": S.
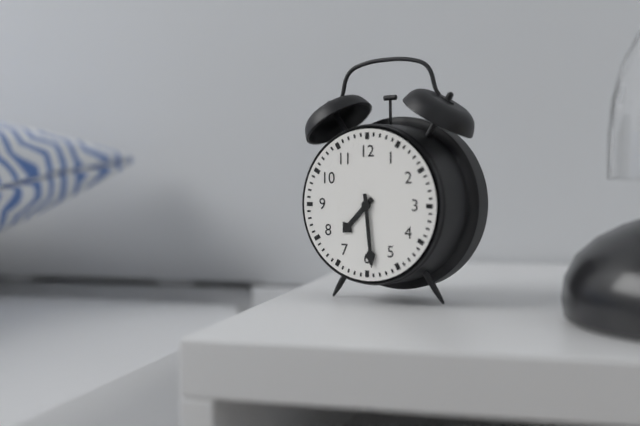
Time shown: {"hour": 7, "minute": 29}
